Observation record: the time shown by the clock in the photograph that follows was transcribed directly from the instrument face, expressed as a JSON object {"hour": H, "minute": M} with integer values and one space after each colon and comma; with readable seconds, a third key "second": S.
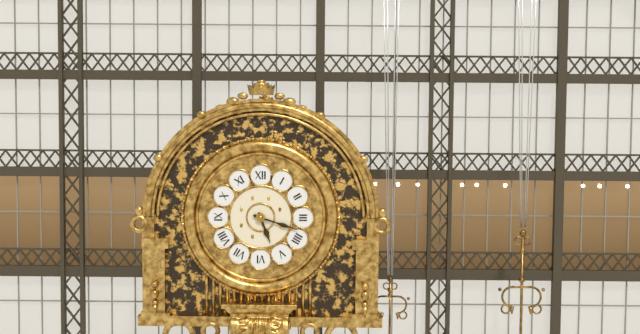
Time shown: {"hour": 5, "minute": 18}
